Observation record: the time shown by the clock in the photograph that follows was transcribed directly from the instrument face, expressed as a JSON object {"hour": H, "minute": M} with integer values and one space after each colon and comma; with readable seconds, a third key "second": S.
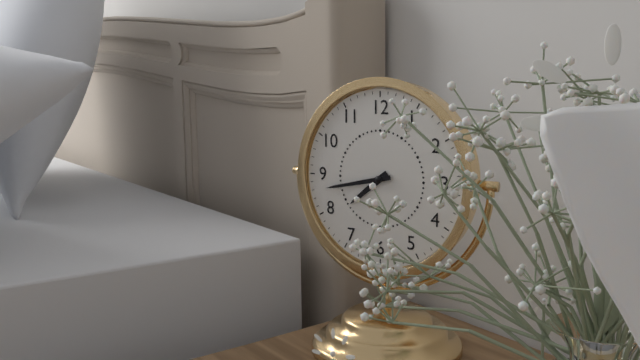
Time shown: {"hour": 7, "minute": 43}
